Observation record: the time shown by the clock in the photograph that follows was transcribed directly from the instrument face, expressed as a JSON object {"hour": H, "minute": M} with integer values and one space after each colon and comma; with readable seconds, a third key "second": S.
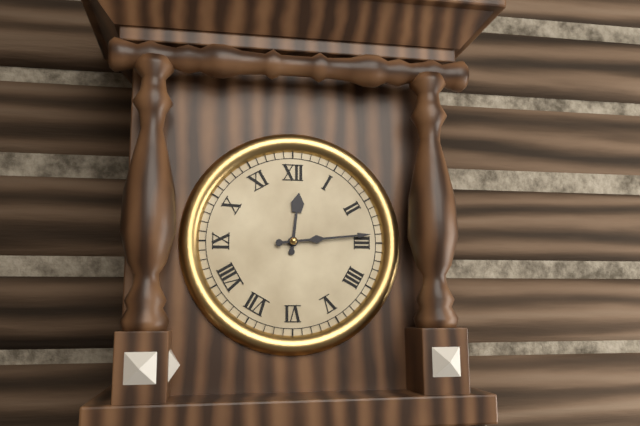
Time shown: {"hour": 12, "minute": 14}
